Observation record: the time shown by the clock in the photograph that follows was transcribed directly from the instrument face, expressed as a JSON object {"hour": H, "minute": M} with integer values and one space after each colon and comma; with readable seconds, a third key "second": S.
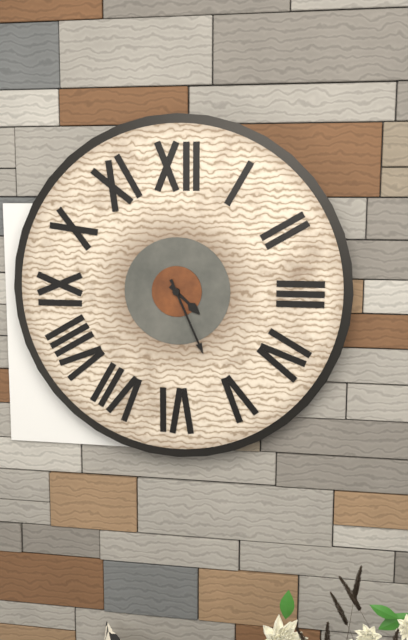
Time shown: {"hour": 4, "minute": 26}
